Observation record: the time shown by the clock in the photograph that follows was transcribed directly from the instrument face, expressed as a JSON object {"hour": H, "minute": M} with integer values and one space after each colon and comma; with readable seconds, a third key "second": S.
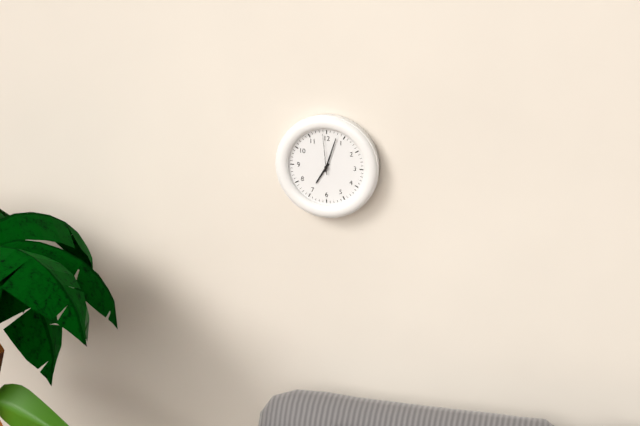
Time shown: {"hour": 7, "minute": 3}
